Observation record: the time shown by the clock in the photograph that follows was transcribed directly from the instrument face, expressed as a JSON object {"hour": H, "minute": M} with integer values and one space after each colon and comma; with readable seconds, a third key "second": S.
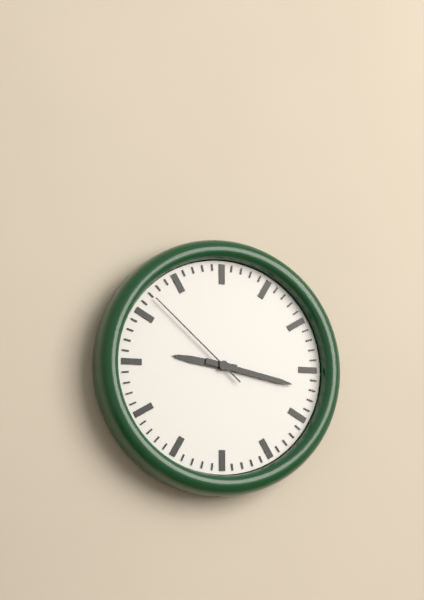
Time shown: {"hour": 9, "minute": 17, "second": 52}
